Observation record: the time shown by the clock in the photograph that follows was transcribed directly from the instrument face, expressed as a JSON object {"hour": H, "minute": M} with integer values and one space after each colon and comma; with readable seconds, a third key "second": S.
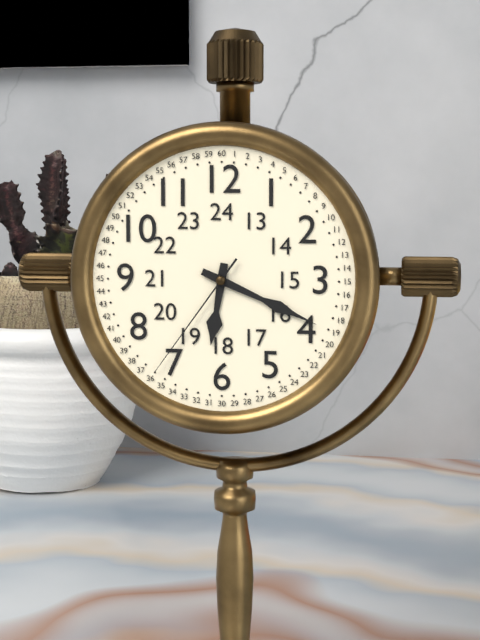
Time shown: {"hour": 6, "minute": 19, "second": 36}
